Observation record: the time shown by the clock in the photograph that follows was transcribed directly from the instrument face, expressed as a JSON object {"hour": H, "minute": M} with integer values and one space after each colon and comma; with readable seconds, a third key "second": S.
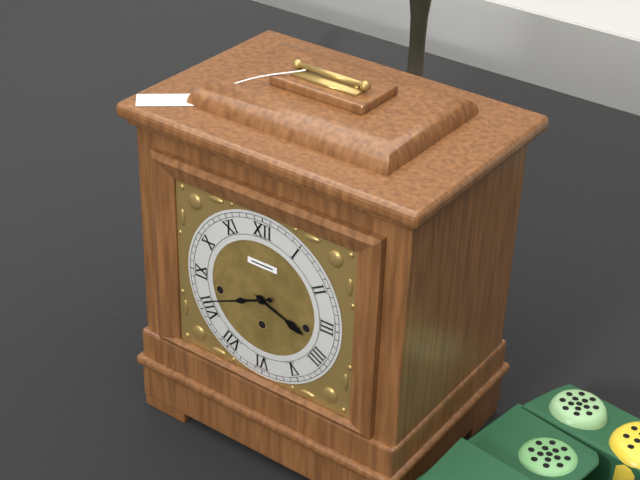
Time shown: {"hour": 3, "minute": 41}
